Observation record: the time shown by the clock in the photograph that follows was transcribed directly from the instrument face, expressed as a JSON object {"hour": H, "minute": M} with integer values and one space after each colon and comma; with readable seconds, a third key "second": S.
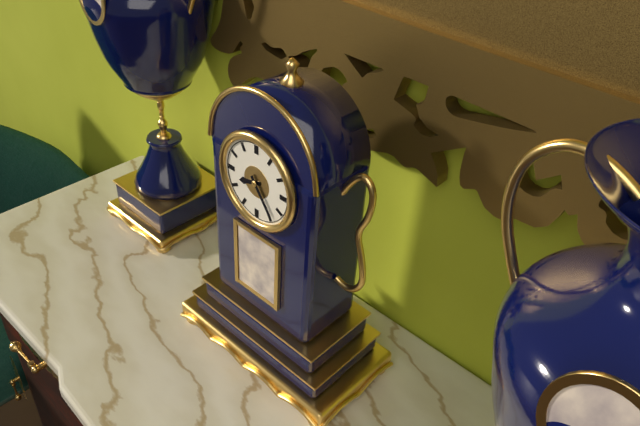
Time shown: {"hour": 8, "minute": 24}
